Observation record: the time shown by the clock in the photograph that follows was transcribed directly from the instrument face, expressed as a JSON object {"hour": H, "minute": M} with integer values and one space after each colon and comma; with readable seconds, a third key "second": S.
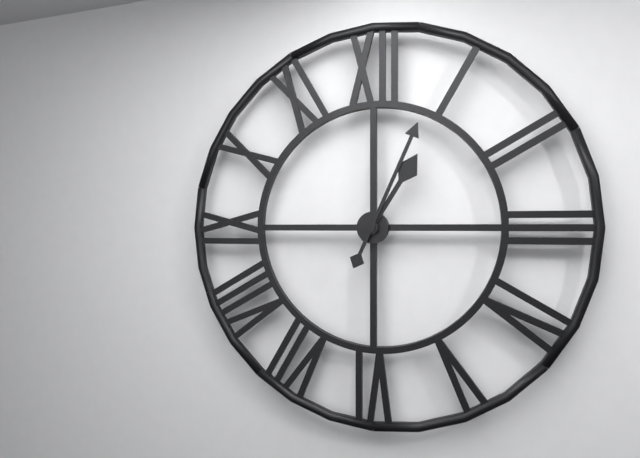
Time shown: {"hour": 1, "minute": 4}
